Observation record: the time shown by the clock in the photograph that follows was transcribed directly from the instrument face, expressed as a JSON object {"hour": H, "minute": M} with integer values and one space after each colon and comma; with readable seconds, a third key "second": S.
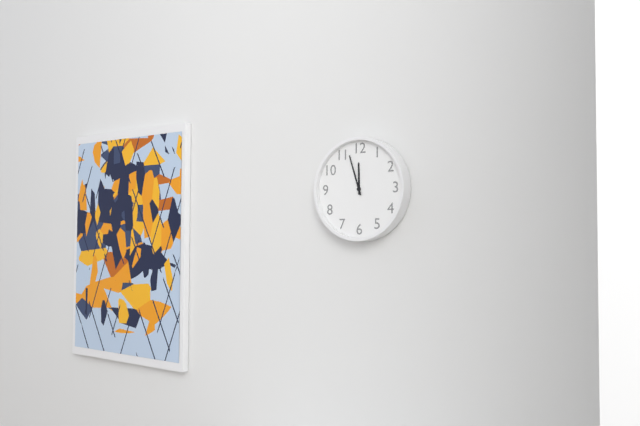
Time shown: {"hour": 11, "minute": 57}
